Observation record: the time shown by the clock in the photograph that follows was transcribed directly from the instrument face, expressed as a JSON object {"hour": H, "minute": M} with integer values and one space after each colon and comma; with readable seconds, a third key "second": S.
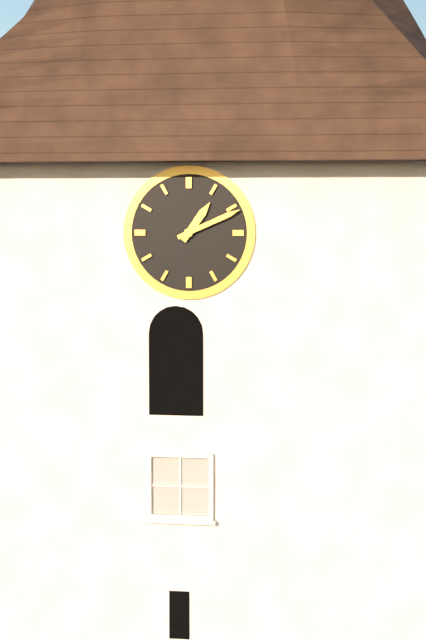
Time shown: {"hour": 1, "minute": 11}
